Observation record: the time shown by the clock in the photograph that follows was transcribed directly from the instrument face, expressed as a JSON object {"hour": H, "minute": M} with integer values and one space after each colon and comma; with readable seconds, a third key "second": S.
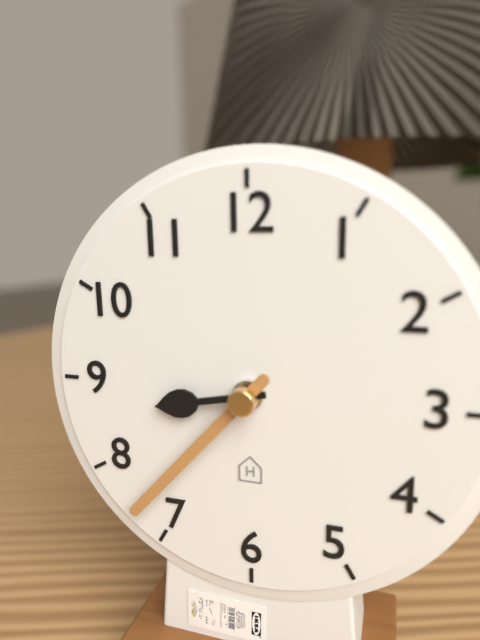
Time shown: {"hour": 8, "minute": 37}
